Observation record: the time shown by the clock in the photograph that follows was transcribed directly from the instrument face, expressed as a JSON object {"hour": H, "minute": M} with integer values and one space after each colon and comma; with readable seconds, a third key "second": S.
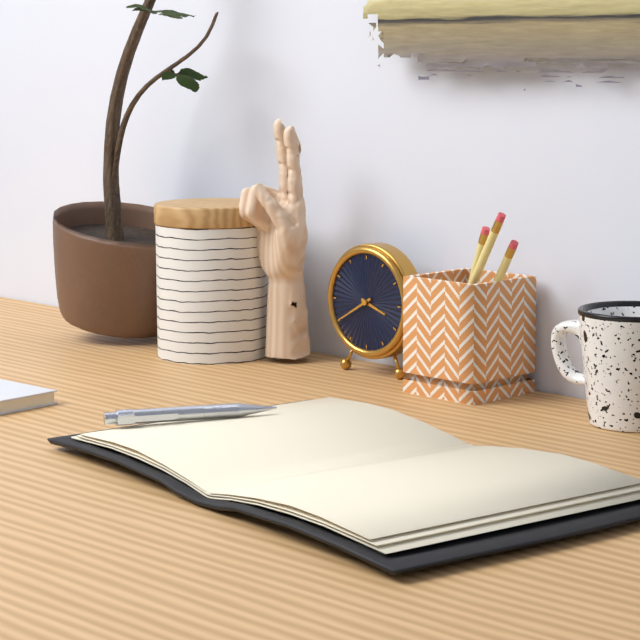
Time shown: {"hour": 3, "minute": 40}
